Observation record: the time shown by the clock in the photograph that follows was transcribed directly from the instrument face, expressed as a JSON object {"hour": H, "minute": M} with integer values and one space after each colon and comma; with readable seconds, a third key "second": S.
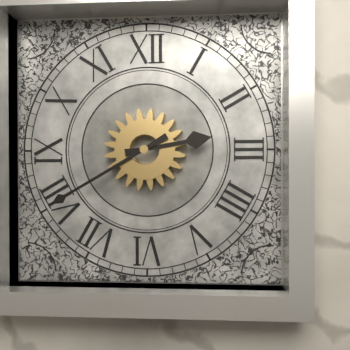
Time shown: {"hour": 2, "minute": 40}
